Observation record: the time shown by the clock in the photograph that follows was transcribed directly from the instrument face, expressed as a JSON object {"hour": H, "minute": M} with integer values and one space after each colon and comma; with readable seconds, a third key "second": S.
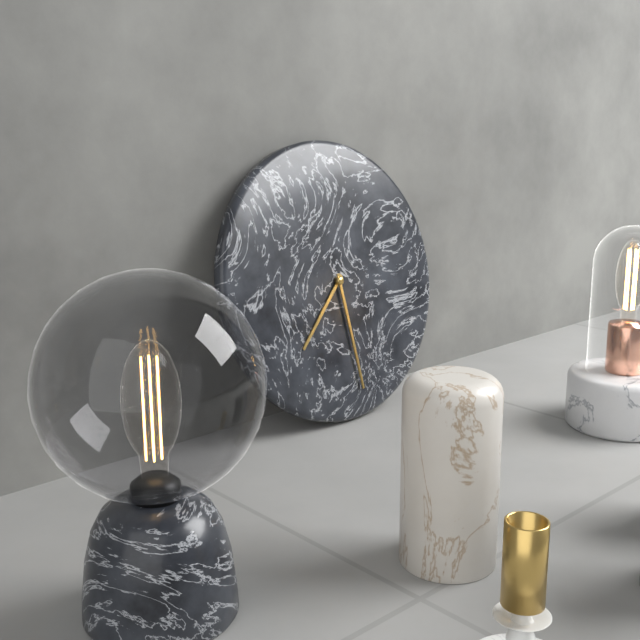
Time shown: {"hour": 7, "minute": 29}
